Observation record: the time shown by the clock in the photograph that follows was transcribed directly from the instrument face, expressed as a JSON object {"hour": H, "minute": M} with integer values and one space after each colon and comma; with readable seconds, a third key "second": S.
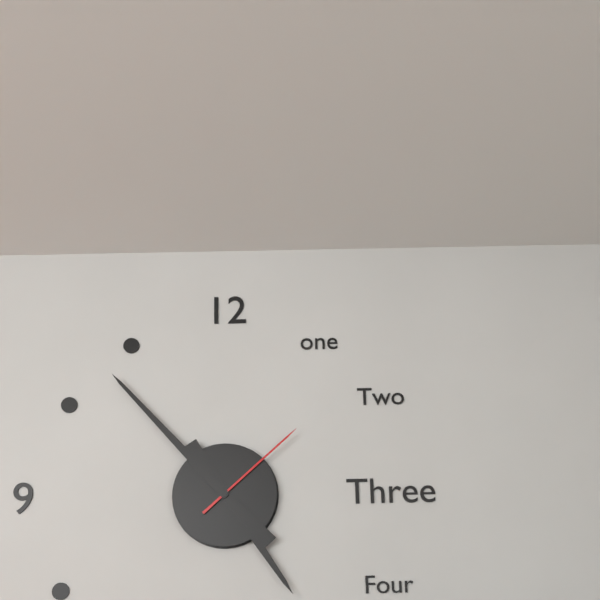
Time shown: {"hour": 4, "minute": 53, "second": 8}
